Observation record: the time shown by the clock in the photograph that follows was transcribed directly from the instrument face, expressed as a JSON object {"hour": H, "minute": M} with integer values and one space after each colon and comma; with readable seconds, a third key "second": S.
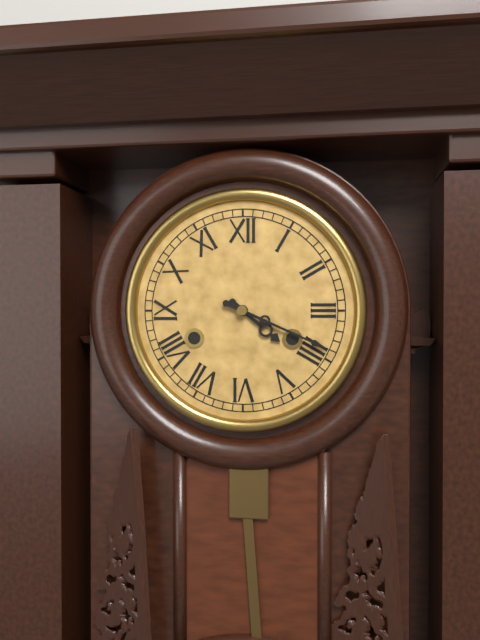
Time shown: {"hour": 4, "minute": 19}
